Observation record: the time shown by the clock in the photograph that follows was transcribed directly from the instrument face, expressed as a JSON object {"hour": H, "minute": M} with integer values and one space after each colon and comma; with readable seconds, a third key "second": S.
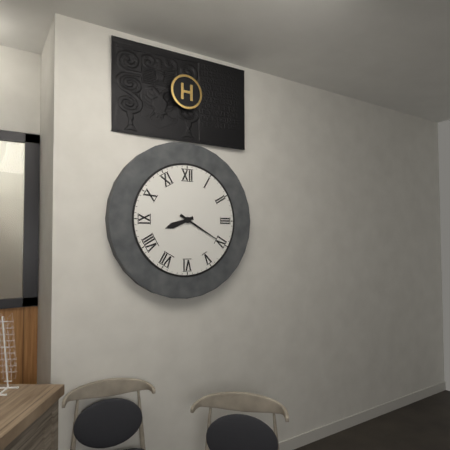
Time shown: {"hour": 8, "minute": 20}
